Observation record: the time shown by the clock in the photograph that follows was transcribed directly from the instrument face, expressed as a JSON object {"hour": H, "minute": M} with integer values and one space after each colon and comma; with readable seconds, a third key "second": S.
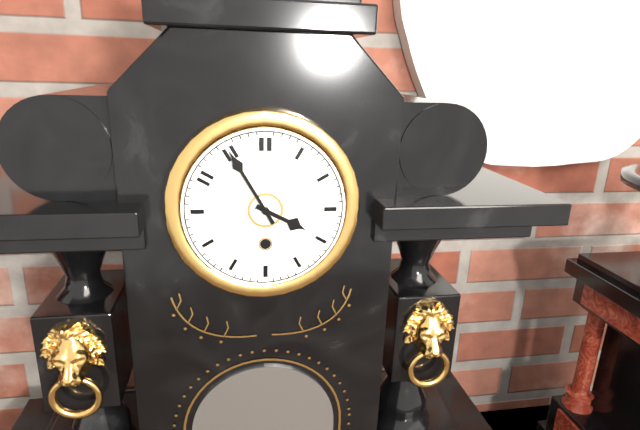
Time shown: {"hour": 3, "minute": 55}
